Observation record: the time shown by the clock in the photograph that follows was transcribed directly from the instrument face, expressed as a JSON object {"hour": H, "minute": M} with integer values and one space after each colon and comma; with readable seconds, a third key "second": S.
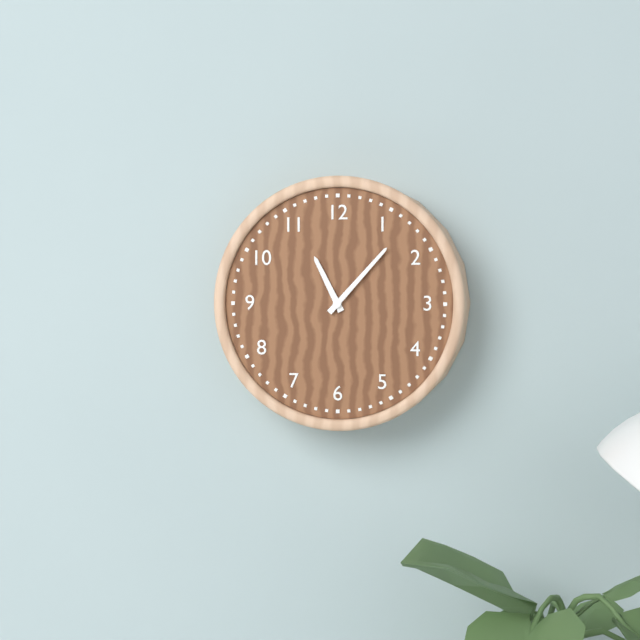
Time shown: {"hour": 11, "minute": 7}
